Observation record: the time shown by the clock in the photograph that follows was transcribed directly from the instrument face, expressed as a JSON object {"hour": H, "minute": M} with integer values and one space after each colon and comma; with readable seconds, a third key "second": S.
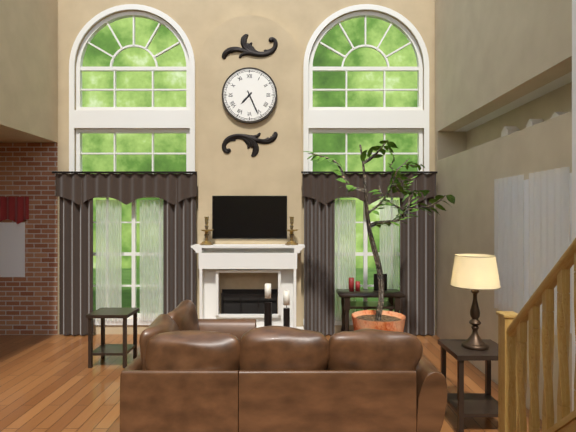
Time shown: {"hour": 7, "minute": 26}
